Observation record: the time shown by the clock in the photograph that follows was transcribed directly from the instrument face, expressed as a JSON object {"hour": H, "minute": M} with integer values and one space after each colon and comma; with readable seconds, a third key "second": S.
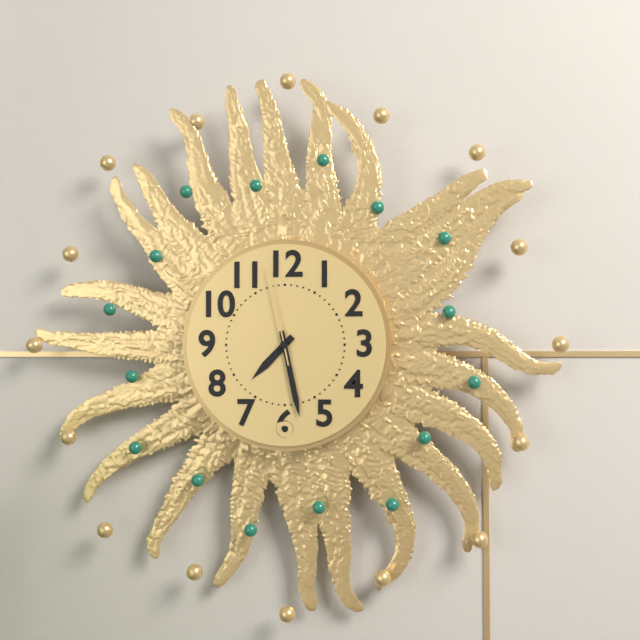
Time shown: {"hour": 7, "minute": 28, "second": 58}
